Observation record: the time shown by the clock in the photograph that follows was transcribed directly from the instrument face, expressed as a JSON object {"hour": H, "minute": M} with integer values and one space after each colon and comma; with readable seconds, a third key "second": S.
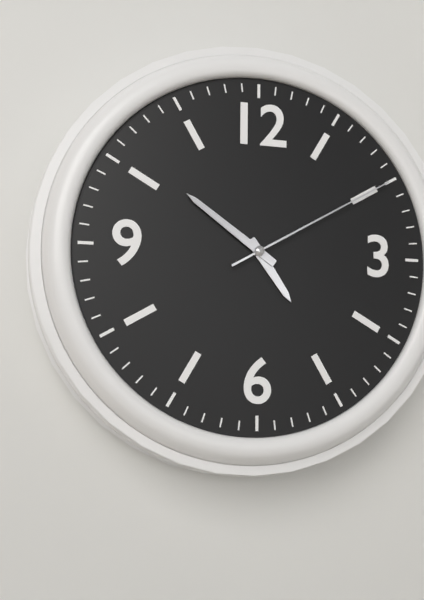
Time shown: {"hour": 4, "minute": 51, "second": 10}
